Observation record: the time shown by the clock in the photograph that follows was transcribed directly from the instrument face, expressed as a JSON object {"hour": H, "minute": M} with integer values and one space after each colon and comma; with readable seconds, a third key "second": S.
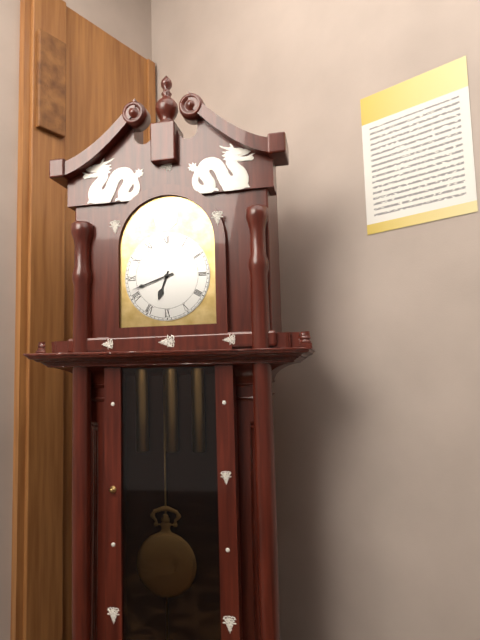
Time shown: {"hour": 6, "minute": 42}
